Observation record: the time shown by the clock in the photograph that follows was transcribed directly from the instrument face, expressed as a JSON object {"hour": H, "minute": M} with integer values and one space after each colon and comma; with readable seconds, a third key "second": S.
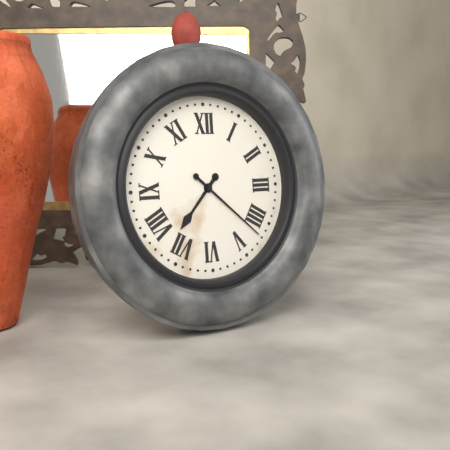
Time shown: {"hour": 7, "minute": 22}
